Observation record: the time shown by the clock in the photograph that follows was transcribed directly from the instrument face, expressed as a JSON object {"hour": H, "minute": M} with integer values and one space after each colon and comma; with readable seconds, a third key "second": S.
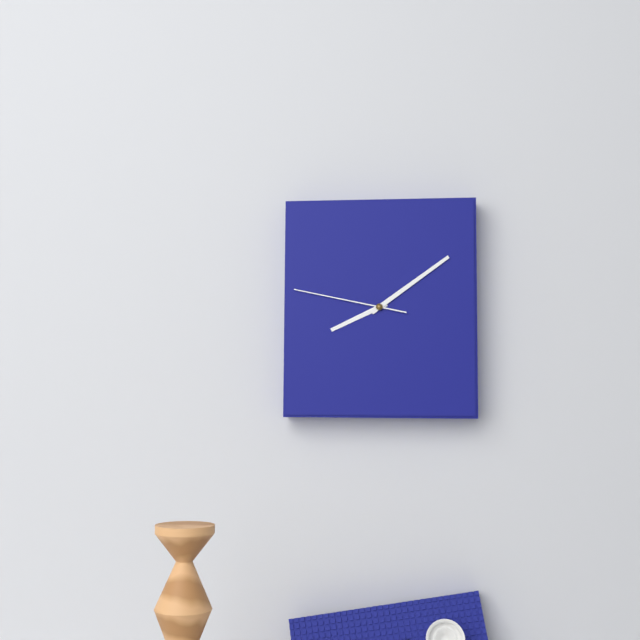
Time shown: {"hour": 8, "minute": 9, "second": 47}
